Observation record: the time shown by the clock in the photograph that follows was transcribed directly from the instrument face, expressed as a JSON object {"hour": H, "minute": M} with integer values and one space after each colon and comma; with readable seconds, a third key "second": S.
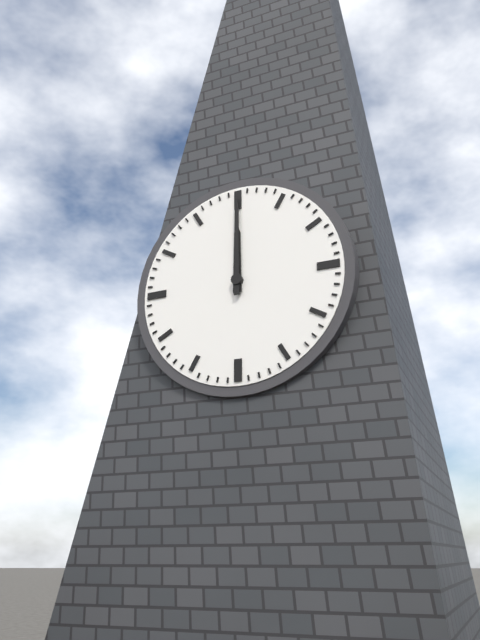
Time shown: {"hour": 12, "minute": 0}
